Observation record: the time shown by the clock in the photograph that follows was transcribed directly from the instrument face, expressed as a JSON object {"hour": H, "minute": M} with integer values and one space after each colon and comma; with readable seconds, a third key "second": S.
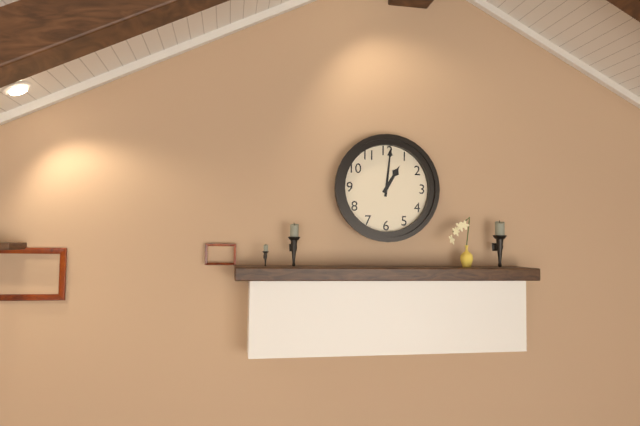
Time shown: {"hour": 1, "minute": 1}
